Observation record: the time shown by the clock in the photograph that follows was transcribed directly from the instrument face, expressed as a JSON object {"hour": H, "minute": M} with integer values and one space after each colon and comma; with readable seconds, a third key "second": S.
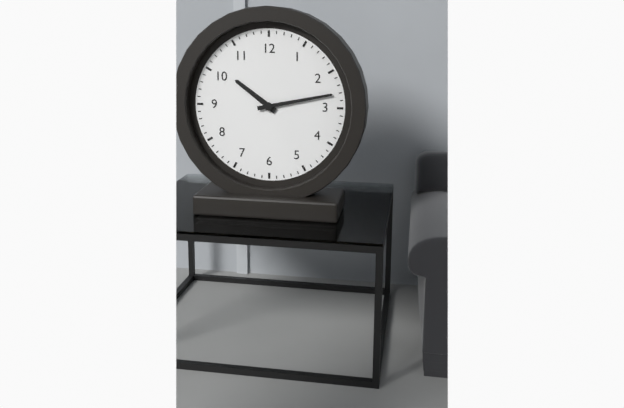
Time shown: {"hour": 10, "minute": 13}
